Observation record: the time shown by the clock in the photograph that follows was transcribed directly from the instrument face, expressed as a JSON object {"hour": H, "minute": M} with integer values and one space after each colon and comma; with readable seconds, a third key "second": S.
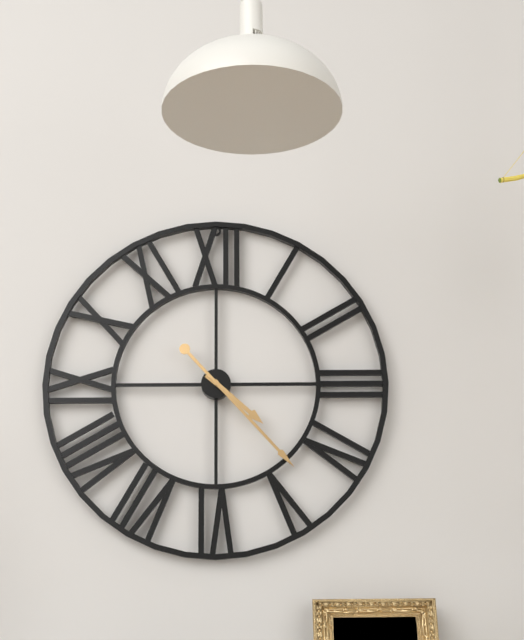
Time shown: {"hour": 4, "minute": 23}
